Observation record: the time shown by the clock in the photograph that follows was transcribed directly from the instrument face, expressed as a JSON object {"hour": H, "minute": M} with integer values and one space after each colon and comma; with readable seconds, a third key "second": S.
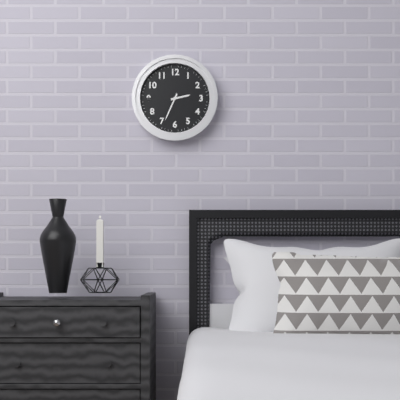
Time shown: {"hour": 2, "minute": 34}
